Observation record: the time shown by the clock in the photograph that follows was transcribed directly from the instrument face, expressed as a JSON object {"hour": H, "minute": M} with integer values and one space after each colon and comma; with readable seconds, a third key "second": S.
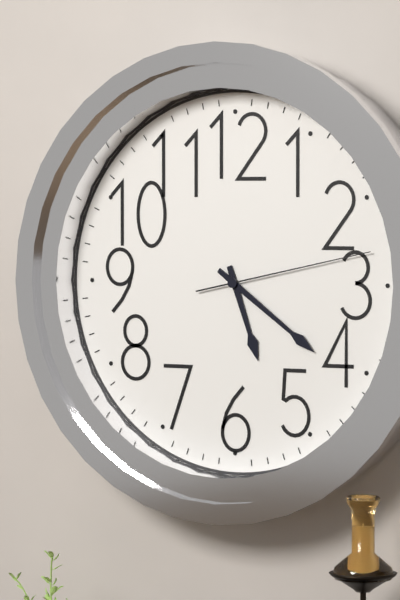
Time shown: {"hour": 5, "minute": 21, "second": 13}
